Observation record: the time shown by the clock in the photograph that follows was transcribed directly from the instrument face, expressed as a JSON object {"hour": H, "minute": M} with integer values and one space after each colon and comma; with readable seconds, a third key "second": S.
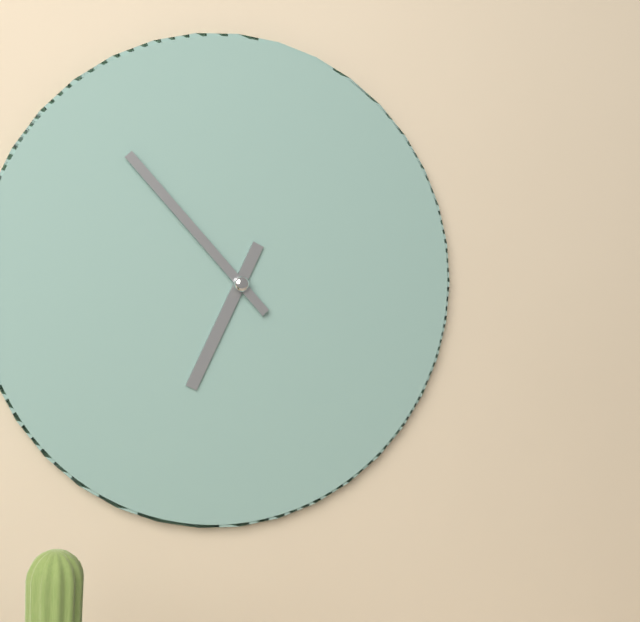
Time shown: {"hour": 6, "minute": 53}
